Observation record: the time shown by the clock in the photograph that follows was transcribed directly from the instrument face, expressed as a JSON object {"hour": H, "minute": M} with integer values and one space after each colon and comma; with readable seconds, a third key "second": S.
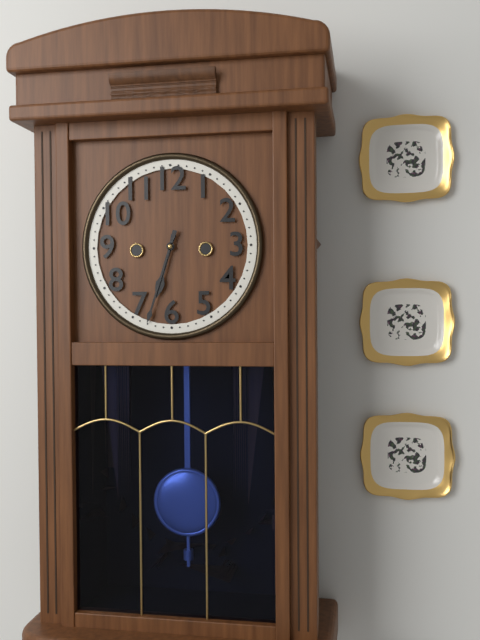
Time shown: {"hour": 6, "minute": 33}
